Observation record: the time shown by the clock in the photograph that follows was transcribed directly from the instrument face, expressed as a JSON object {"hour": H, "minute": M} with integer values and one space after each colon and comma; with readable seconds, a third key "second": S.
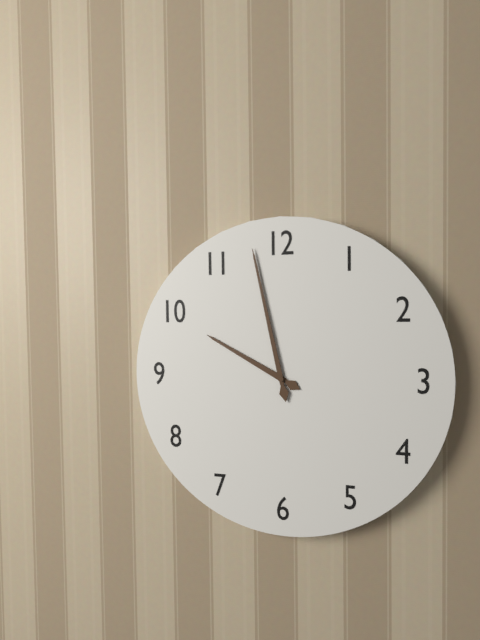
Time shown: {"hour": 9, "minute": 58}
